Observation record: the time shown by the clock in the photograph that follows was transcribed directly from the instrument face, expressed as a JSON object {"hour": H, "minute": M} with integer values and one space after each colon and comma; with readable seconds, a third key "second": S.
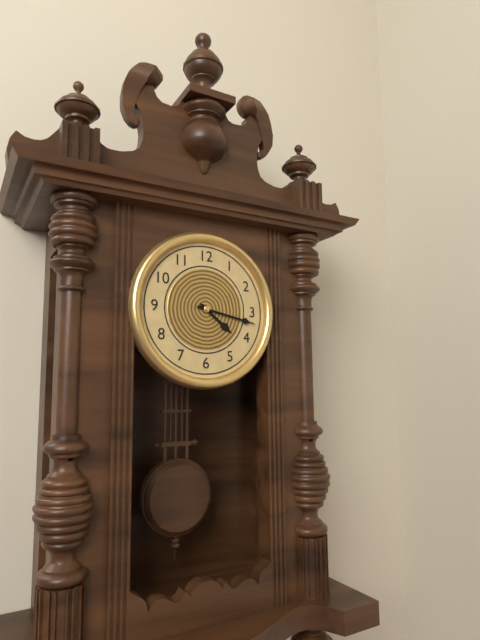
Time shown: {"hour": 4, "minute": 17}
